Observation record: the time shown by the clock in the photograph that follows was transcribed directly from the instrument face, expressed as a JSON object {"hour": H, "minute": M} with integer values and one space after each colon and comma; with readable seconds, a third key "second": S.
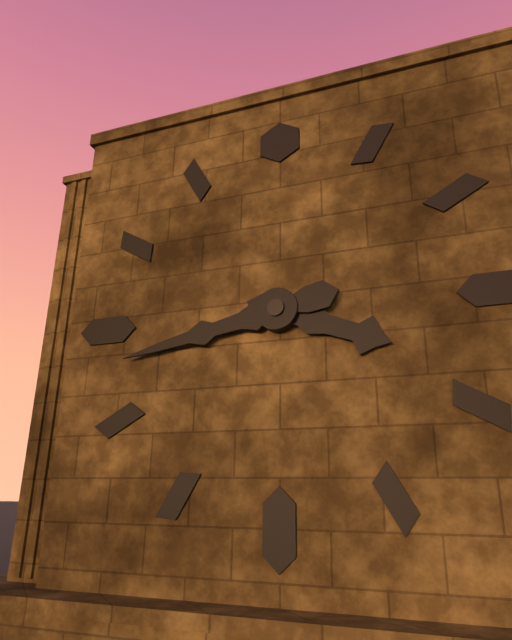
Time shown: {"hour": 3, "minute": 43}
